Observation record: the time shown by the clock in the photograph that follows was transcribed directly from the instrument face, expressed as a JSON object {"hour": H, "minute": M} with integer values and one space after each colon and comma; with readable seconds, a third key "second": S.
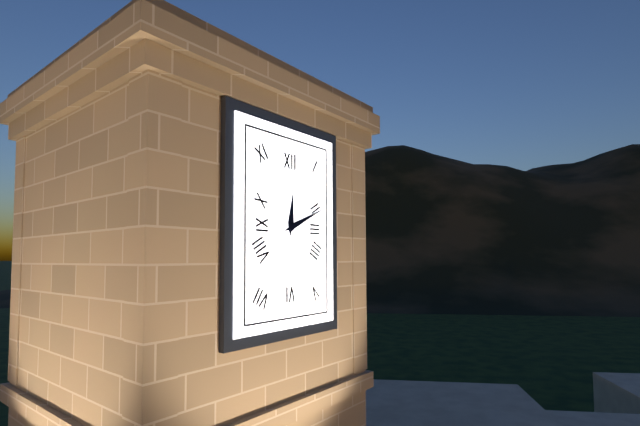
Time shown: {"hour": 12, "minute": 11}
